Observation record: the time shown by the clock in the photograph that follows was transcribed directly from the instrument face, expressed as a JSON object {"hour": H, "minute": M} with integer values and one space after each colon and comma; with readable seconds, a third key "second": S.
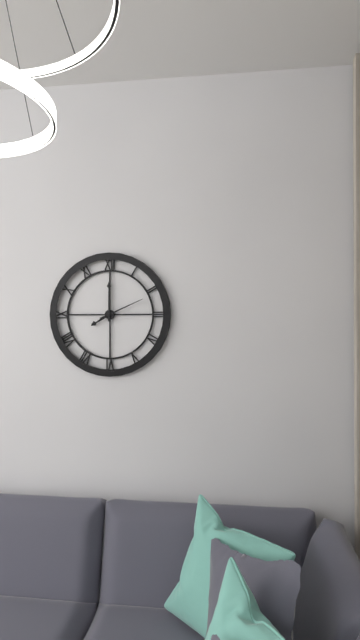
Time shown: {"hour": 8, "minute": 0}
